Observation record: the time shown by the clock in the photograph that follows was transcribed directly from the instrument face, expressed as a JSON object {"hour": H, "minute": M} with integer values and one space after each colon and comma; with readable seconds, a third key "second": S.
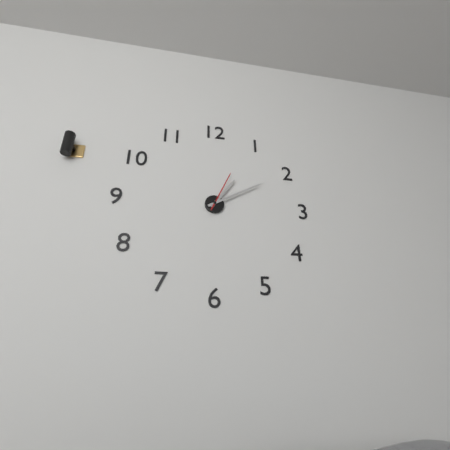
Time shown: {"hour": 1, "minute": 10}
